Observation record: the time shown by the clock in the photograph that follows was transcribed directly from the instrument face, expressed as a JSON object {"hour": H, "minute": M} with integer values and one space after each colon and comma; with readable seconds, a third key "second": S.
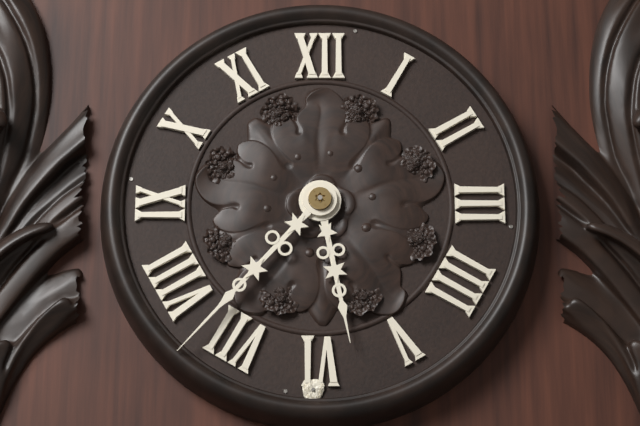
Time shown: {"hour": 5, "minute": 37}
